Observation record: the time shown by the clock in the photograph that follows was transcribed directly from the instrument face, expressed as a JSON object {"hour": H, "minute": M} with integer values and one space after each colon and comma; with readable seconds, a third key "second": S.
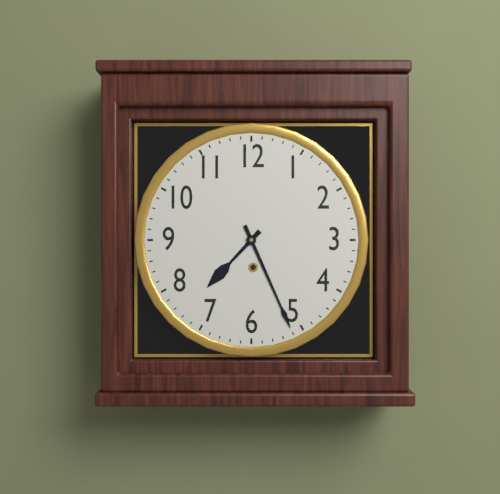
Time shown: {"hour": 7, "minute": 26}
